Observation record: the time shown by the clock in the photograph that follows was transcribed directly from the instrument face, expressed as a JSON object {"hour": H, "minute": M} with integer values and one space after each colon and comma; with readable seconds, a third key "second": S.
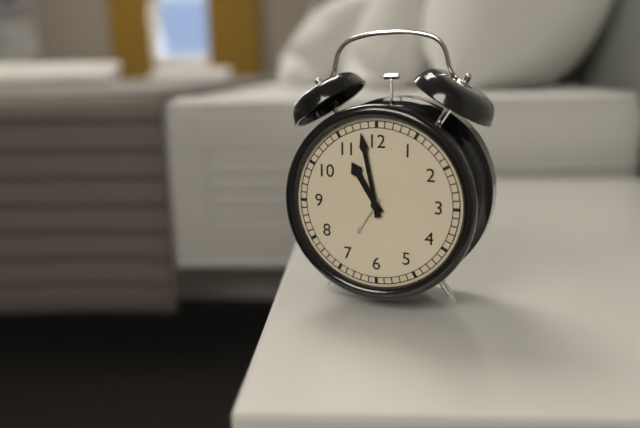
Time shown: {"hour": 10, "minute": 58}
